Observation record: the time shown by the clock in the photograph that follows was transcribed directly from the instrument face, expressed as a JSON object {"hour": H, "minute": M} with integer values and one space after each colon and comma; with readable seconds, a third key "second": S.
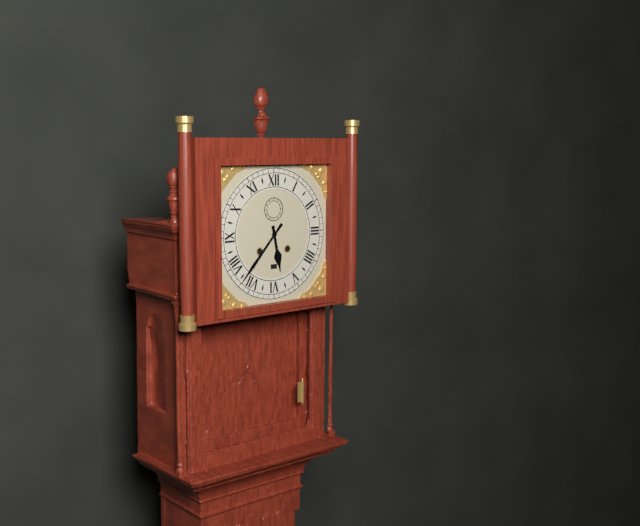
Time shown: {"hour": 5, "minute": 37}
